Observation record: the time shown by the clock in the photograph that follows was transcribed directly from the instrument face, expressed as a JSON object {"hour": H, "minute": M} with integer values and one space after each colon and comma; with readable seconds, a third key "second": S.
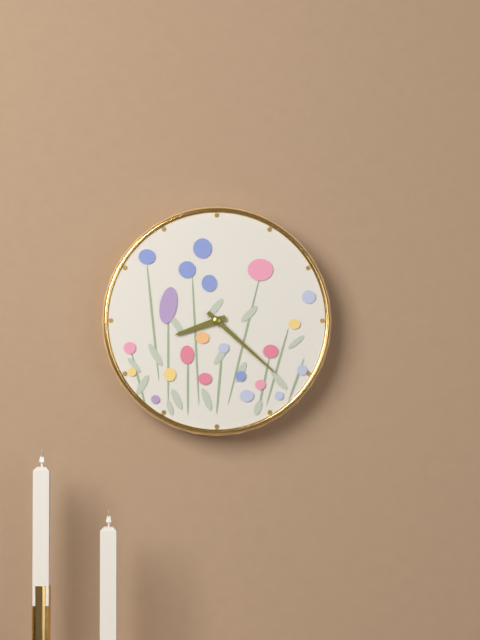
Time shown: {"hour": 8, "minute": 22}
